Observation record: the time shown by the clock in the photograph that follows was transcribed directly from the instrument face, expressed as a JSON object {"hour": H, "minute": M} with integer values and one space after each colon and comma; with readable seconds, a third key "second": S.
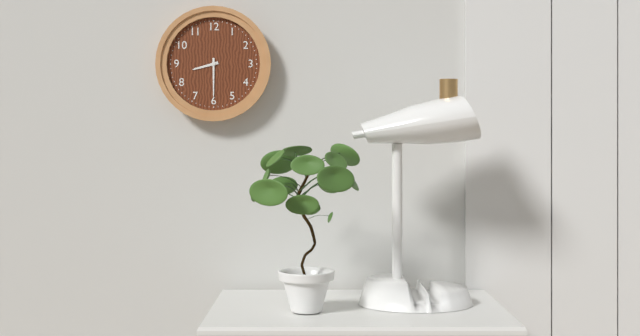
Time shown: {"hour": 8, "minute": 30}
